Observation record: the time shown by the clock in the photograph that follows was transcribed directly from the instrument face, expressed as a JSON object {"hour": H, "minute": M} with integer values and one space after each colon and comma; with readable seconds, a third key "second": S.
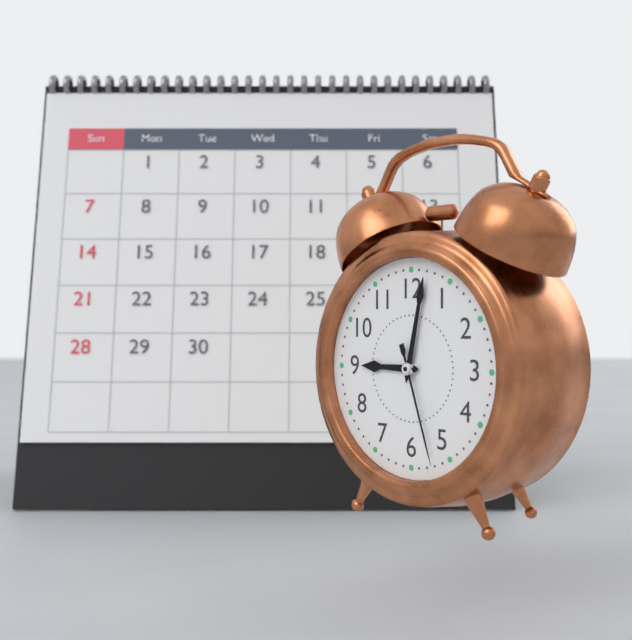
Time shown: {"hour": 9, "minute": 2, "second": 27}
